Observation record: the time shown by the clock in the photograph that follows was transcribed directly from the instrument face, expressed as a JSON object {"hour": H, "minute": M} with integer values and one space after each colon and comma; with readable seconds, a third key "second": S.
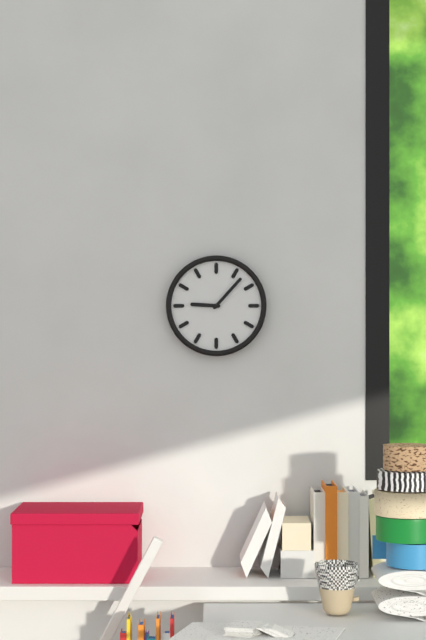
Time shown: {"hour": 9, "minute": 7}
